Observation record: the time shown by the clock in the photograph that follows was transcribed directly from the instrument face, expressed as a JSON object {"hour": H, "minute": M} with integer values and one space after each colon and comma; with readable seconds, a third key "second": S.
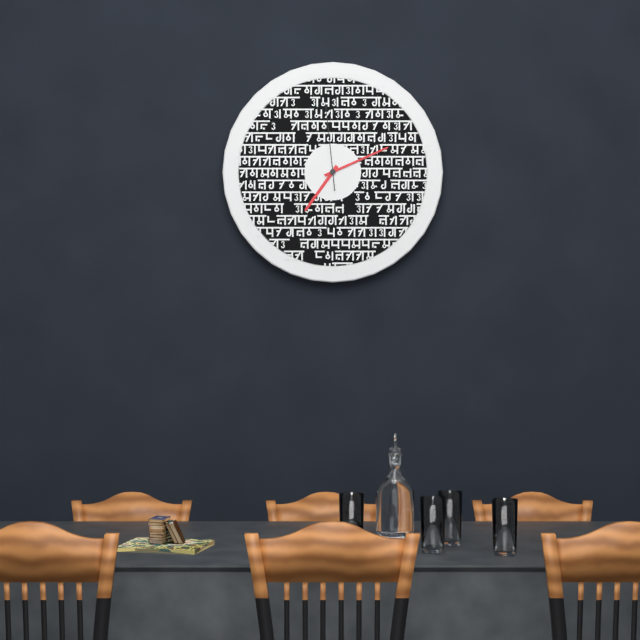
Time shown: {"hour": 7, "minute": 11, "second": 59}
